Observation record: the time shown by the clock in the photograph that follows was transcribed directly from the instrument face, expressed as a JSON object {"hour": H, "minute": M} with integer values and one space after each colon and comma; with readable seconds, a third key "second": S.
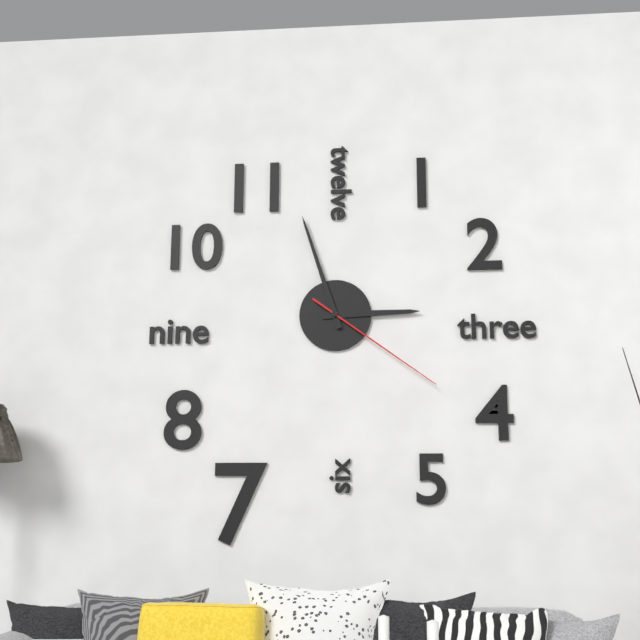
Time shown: {"hour": 2, "minute": 57, "second": 21}
